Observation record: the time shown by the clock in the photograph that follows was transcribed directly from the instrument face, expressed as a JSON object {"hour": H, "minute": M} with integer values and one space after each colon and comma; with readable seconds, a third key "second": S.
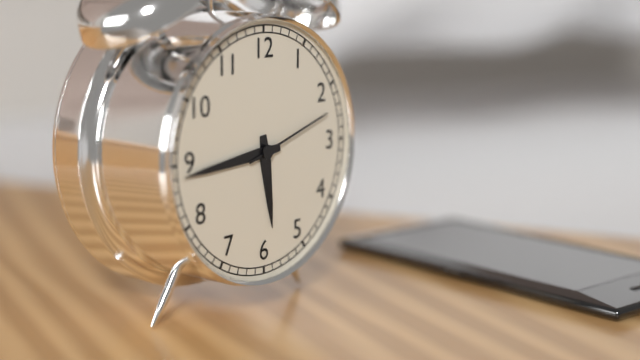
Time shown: {"hour": 5, "minute": 44, "second": 12}
